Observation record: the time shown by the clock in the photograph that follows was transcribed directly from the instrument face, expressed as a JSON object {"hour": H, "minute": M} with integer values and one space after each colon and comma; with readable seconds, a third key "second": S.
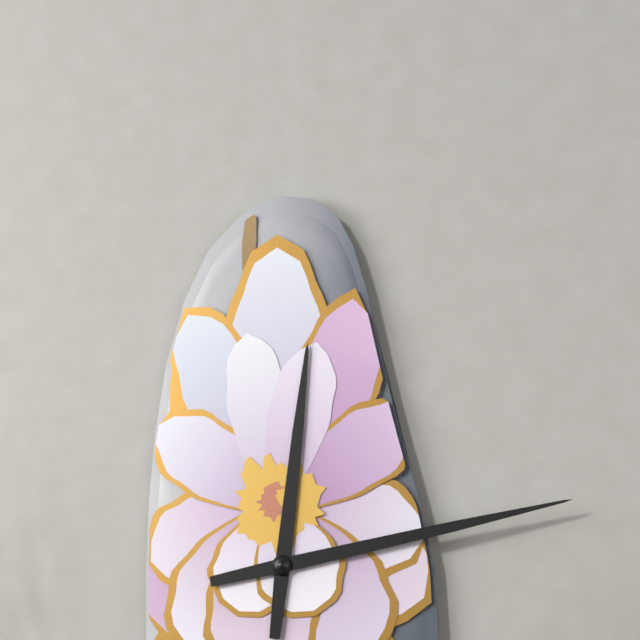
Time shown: {"hour": 12, "minute": 13}
